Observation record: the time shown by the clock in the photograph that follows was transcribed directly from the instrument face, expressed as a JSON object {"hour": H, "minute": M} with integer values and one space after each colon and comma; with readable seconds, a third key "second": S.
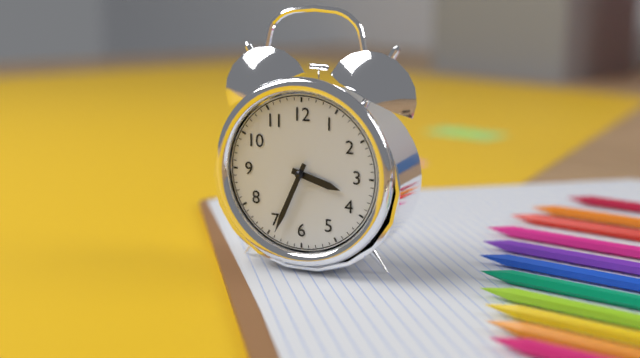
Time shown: {"hour": 3, "minute": 34}
